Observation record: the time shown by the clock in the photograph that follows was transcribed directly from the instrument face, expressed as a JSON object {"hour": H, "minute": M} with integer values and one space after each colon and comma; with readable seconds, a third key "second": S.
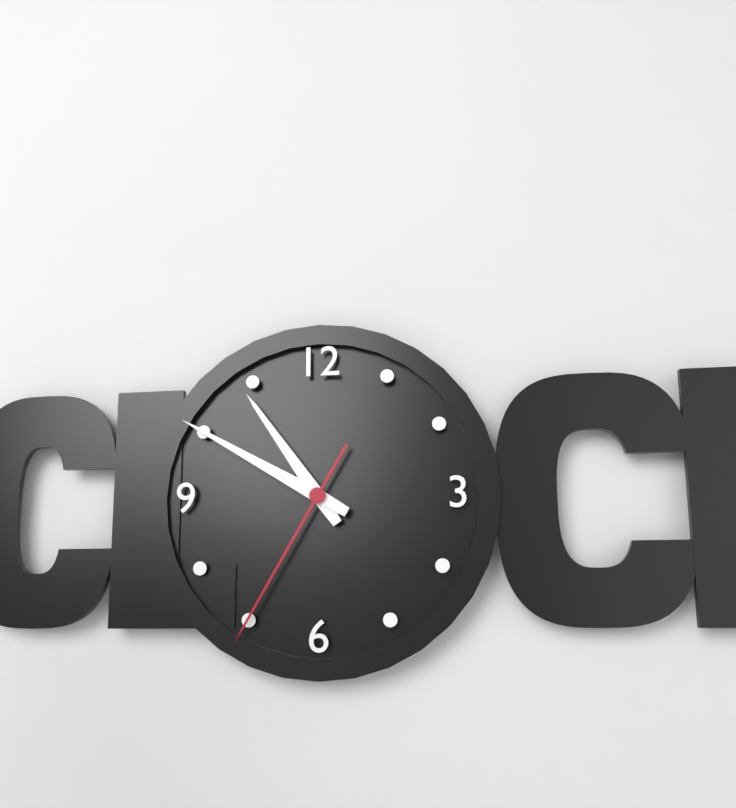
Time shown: {"hour": 10, "minute": 50, "second": 35}
